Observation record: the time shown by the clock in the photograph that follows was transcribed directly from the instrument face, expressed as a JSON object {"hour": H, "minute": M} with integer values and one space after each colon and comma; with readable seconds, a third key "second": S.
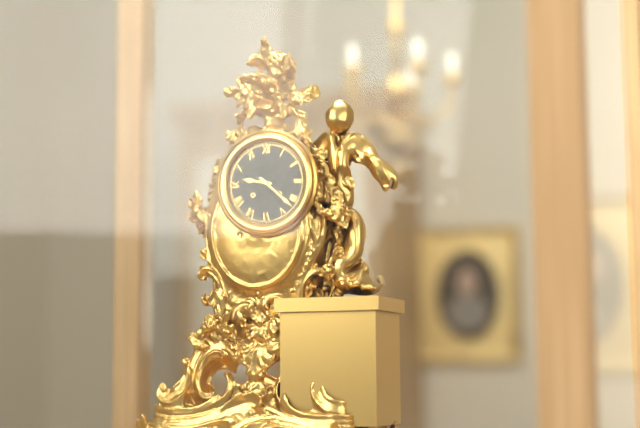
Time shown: {"hour": 9, "minute": 22}
